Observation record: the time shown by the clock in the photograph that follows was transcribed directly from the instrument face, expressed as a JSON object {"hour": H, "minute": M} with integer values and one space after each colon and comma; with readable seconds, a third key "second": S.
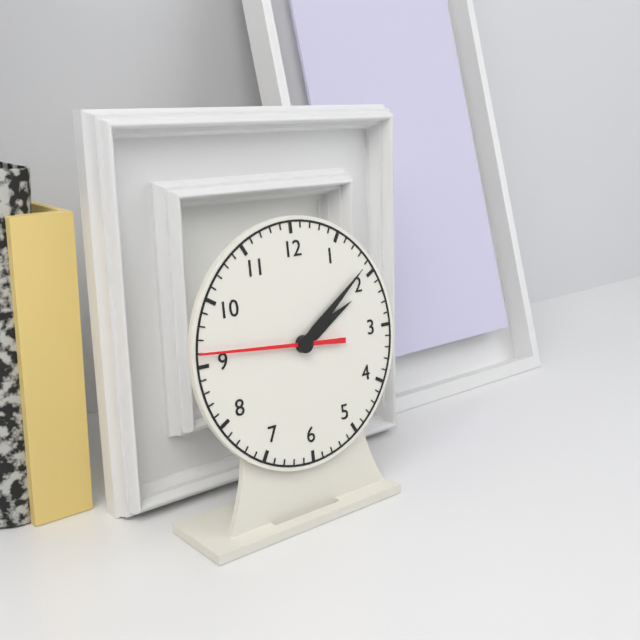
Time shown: {"hour": 2, "minute": 9, "second": 46}
